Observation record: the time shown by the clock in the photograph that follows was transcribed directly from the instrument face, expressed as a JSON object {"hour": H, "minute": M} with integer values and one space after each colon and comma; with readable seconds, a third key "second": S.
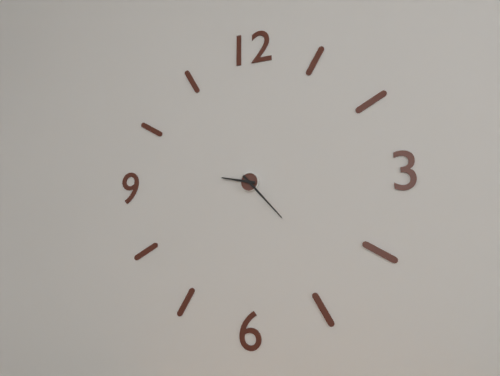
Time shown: {"hour": 9, "minute": 23}
